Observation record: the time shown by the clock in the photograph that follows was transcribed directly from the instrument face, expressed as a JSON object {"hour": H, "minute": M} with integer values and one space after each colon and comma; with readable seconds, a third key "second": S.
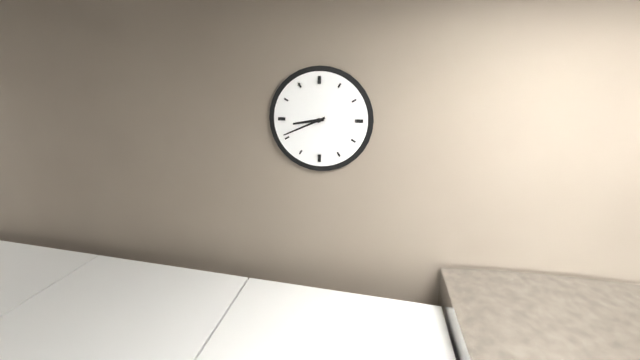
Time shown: {"hour": 8, "minute": 41}
